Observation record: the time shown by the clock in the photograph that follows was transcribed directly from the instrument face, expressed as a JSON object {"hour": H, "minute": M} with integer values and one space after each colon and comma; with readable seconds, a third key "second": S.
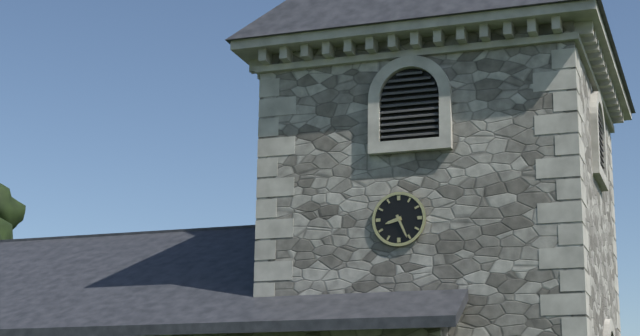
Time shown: {"hour": 8, "minute": 26}
